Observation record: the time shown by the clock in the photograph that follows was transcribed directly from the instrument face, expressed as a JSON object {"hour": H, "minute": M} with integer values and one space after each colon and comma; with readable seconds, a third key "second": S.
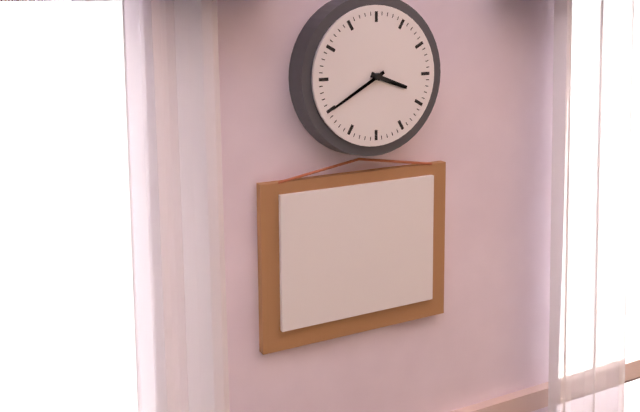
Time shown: {"hour": 3, "minute": 40}
